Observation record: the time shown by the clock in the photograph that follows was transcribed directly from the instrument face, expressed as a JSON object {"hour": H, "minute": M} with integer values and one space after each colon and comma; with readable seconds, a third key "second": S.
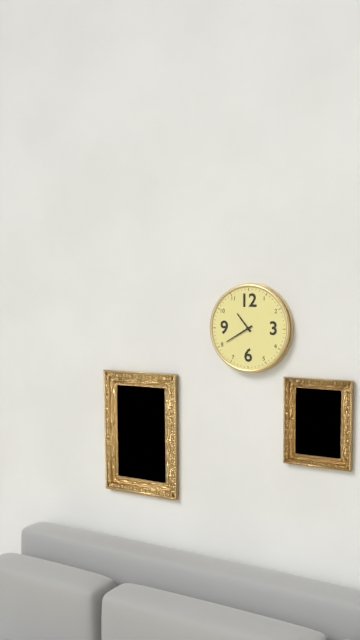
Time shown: {"hour": 10, "minute": 40}
